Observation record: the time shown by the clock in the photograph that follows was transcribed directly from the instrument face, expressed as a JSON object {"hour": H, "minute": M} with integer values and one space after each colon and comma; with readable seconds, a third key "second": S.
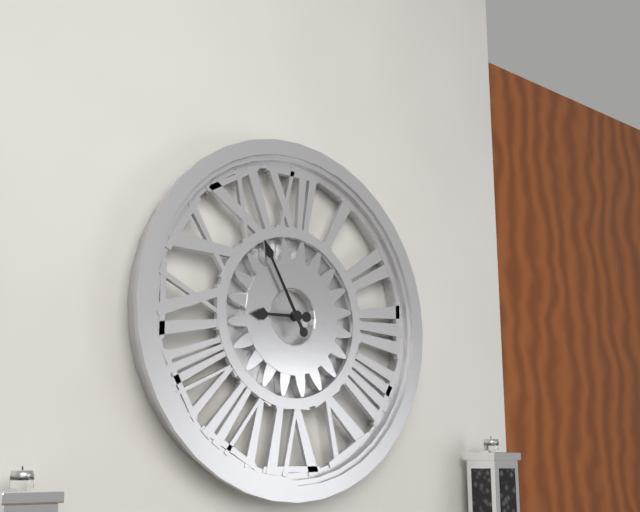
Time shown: {"hour": 8, "minute": 55}
